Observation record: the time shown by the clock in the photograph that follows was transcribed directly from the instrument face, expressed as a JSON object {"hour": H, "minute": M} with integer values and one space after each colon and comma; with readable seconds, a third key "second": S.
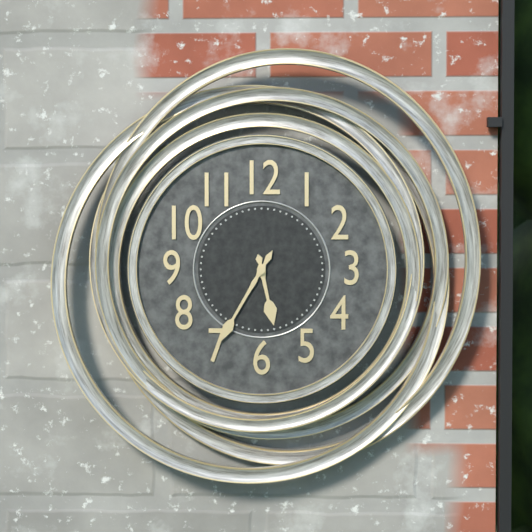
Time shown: {"hour": 5, "minute": 35}
